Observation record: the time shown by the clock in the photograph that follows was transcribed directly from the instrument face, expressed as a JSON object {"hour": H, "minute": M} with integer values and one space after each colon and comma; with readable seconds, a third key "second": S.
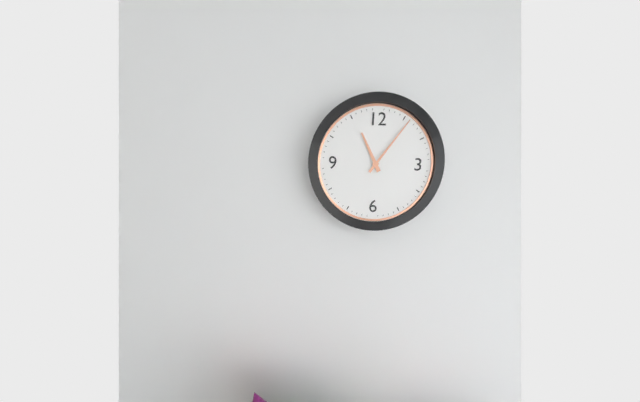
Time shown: {"hour": 11, "minute": 6}
